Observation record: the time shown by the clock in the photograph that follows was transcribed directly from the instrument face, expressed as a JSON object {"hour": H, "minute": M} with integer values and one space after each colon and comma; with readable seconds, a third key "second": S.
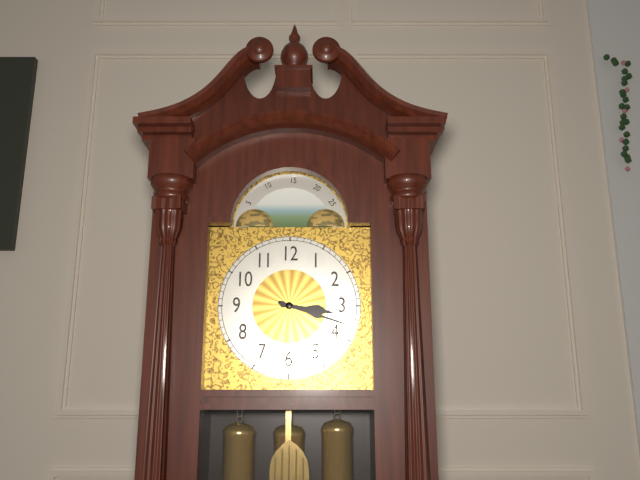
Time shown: {"hour": 3, "minute": 18}
